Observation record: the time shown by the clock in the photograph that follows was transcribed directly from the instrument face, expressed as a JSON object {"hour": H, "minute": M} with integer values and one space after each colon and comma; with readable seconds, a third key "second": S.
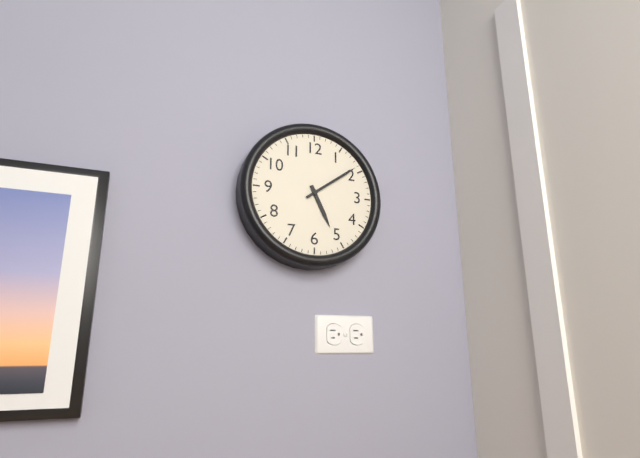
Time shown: {"hour": 5, "minute": 9}
